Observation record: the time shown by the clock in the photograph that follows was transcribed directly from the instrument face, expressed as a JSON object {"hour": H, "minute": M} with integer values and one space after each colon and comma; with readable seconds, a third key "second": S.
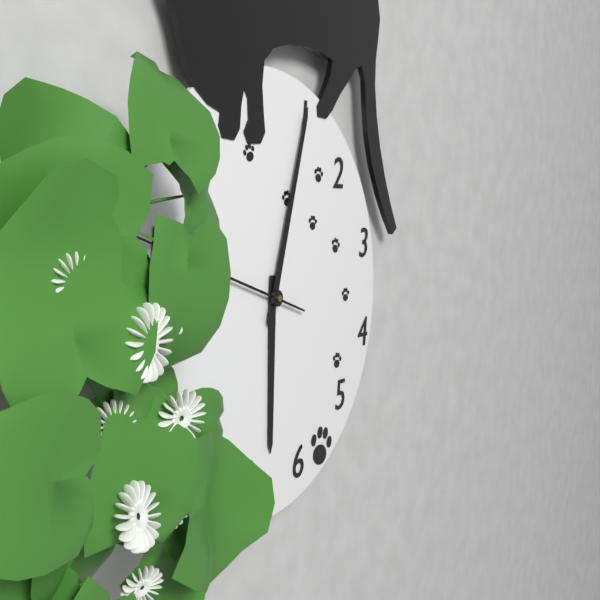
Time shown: {"hour": 6, "minute": 3}
